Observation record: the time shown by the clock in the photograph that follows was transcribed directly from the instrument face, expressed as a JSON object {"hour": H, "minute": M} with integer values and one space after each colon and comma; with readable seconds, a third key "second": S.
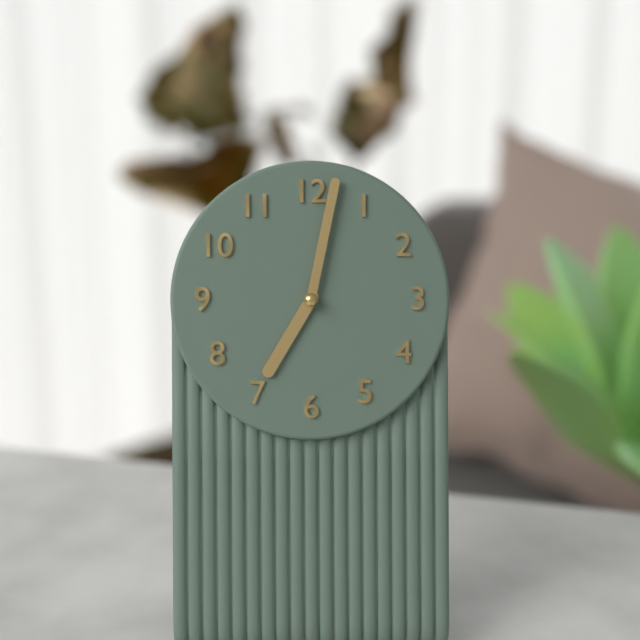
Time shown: {"hour": 7, "minute": 2}
